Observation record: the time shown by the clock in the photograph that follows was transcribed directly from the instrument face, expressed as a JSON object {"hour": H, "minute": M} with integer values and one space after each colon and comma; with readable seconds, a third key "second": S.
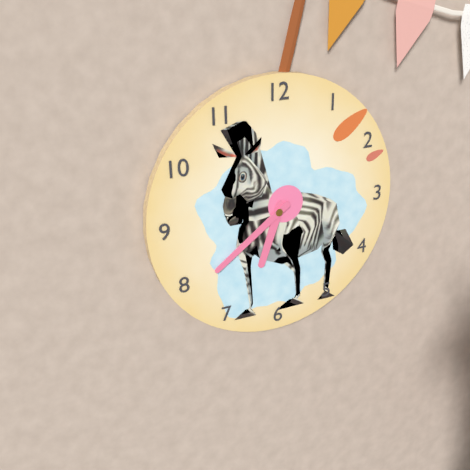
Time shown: {"hour": 6, "minute": 39}
